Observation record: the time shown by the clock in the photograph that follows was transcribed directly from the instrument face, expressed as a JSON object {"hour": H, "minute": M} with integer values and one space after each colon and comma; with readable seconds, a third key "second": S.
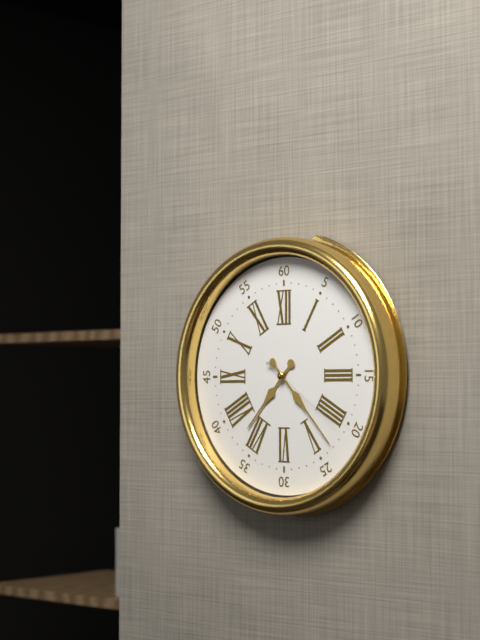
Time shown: {"hour": 7, "minute": 23, "second": 21}
